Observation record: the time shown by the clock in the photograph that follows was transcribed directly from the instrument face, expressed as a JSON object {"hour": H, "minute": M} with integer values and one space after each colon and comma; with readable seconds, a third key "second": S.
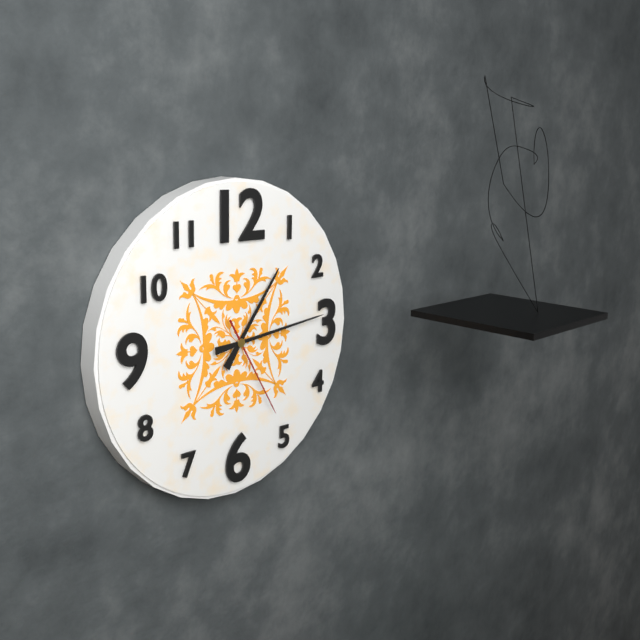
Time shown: {"hour": 1, "minute": 14, "second": 25}
